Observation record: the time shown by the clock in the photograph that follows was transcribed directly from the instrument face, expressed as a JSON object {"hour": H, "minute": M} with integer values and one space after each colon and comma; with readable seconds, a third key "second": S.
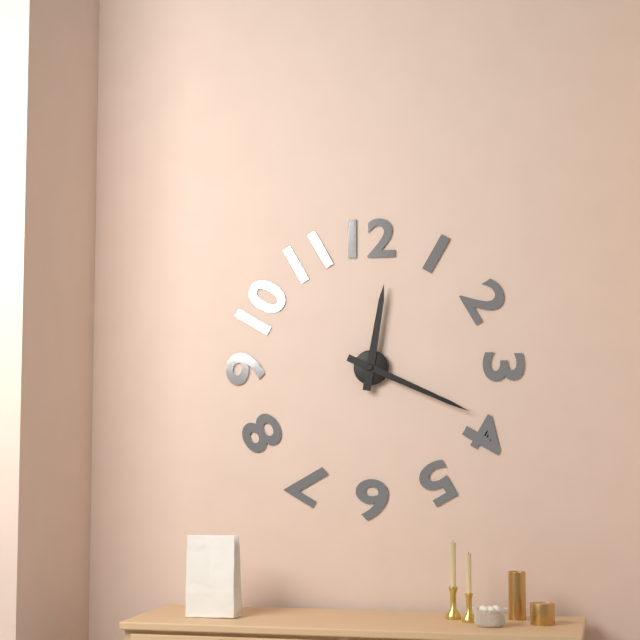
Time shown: {"hour": 12, "minute": 19}
